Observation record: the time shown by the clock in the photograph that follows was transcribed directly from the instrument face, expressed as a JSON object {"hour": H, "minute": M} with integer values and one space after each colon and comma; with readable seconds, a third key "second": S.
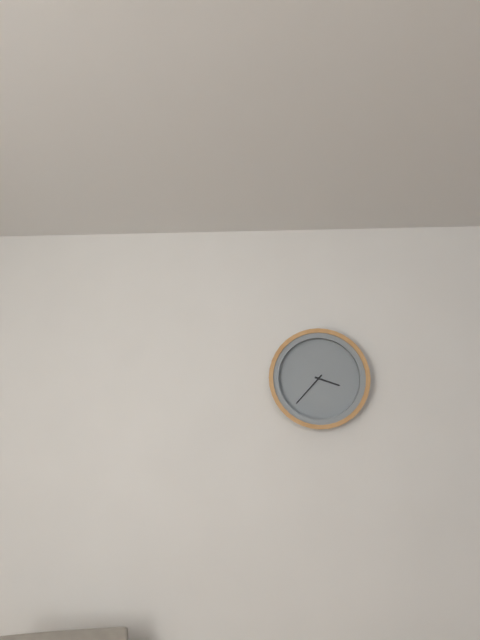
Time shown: {"hour": 3, "minute": 37}
